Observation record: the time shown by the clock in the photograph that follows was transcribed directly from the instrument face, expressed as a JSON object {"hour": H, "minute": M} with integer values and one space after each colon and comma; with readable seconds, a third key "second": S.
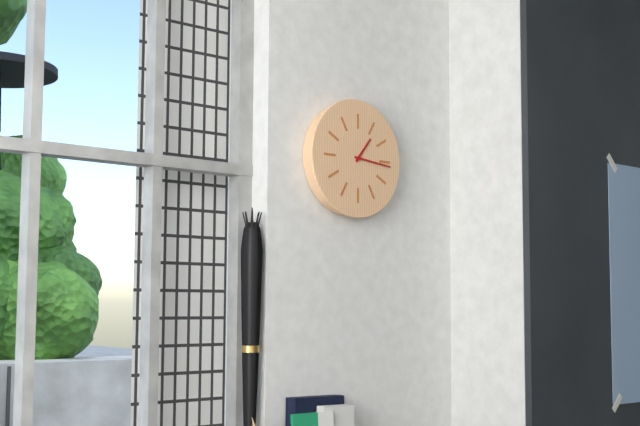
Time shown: {"hour": 1, "minute": 16}
